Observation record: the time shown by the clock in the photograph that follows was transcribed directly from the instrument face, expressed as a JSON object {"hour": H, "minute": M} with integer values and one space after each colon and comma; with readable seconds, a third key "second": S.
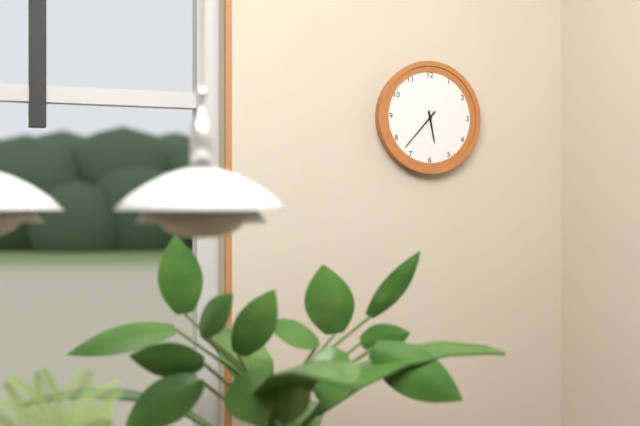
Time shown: {"hour": 5, "minute": 37}
